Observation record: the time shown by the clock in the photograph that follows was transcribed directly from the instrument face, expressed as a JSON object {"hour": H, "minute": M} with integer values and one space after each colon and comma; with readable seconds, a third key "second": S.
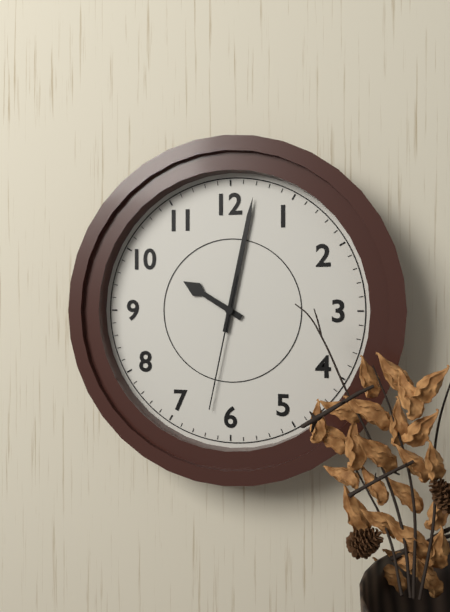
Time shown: {"hour": 10, "minute": 2, "second": 32}
